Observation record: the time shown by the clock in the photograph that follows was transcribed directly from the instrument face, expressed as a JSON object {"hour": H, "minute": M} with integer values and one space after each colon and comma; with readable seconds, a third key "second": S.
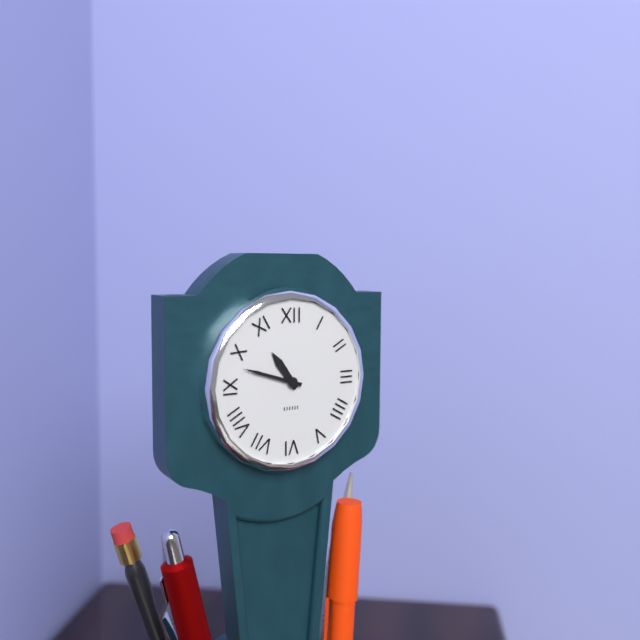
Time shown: {"hour": 10, "minute": 48}
